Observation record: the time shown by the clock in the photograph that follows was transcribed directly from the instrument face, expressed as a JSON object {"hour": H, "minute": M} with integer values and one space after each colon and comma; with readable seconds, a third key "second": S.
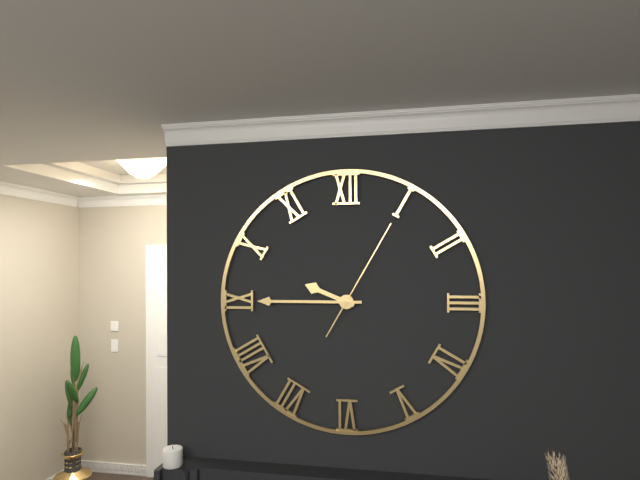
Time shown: {"hour": 9, "minute": 45, "second": 5}
